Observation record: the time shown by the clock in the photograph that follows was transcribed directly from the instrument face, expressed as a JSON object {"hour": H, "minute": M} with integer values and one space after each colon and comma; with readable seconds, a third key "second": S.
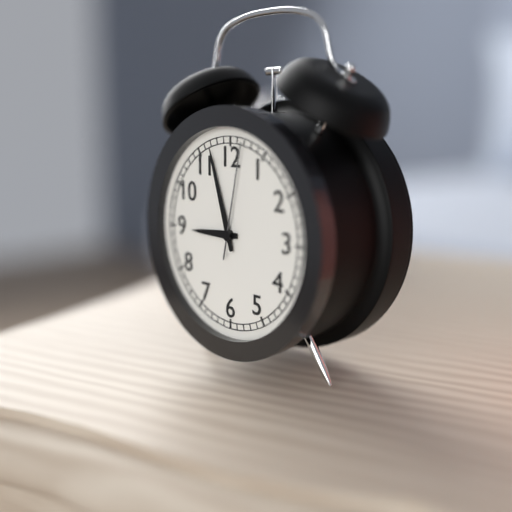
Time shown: {"hour": 8, "minute": 57, "second": 2}
